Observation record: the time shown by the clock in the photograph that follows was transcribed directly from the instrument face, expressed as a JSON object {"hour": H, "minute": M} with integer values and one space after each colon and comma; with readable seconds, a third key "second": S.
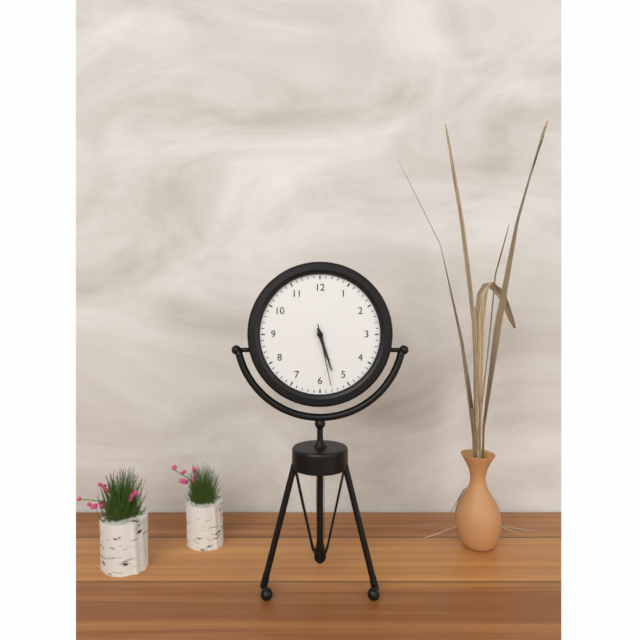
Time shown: {"hour": 5, "minute": 27, "second": 28}
